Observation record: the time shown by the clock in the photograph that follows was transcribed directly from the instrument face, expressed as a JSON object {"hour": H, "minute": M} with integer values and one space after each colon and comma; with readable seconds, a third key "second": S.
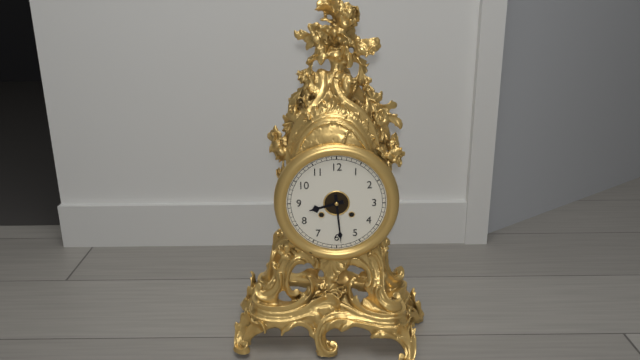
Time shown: {"hour": 8, "minute": 29}
